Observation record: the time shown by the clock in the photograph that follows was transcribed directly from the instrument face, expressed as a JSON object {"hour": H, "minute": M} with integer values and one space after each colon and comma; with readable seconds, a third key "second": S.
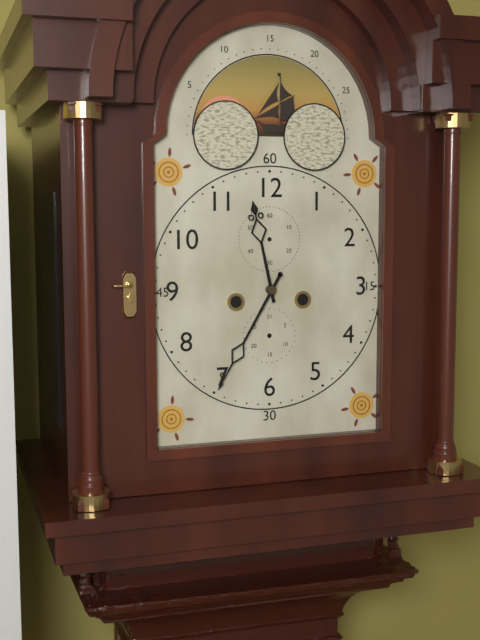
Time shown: {"hour": 11, "minute": 35}
